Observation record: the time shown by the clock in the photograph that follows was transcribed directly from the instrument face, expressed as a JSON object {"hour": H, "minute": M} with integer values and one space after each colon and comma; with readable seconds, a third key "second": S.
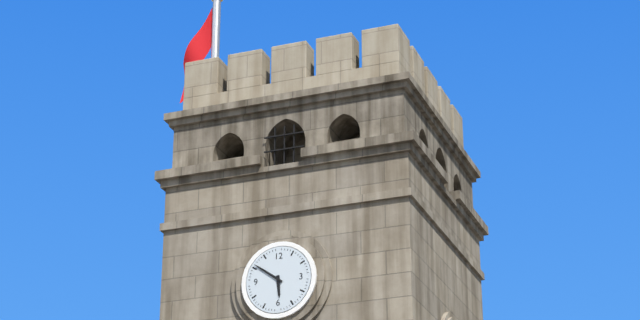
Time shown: {"hour": 5, "minute": 51}
